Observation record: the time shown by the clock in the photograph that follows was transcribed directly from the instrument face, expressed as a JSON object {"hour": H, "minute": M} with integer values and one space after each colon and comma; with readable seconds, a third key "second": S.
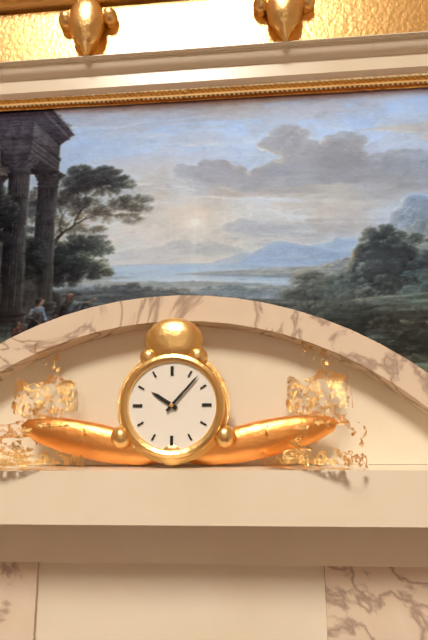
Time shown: {"hour": 10, "minute": 7}
